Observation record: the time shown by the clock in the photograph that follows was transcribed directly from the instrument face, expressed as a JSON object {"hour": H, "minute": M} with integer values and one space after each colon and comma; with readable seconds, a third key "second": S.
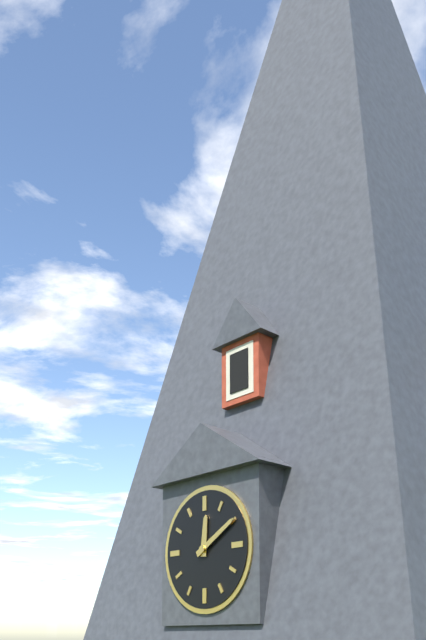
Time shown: {"hour": 12, "minute": 10}
